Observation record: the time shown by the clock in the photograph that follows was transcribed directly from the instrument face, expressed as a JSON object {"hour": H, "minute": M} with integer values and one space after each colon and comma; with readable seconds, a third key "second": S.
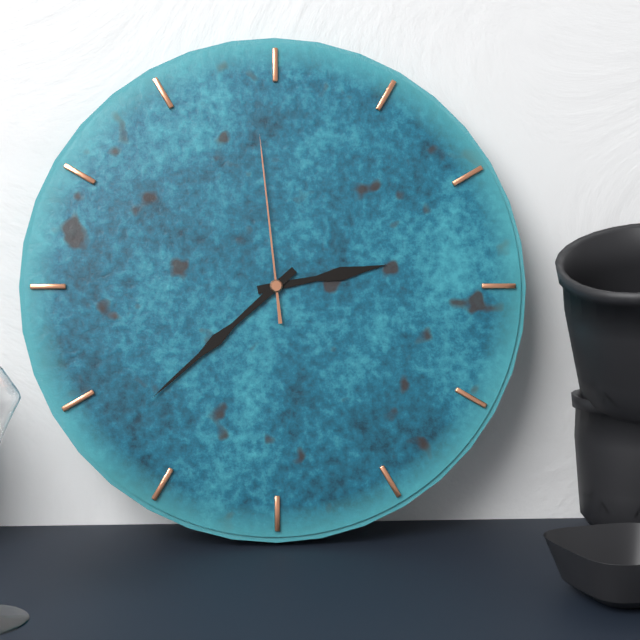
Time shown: {"hour": 2, "minute": 38, "second": 59}
